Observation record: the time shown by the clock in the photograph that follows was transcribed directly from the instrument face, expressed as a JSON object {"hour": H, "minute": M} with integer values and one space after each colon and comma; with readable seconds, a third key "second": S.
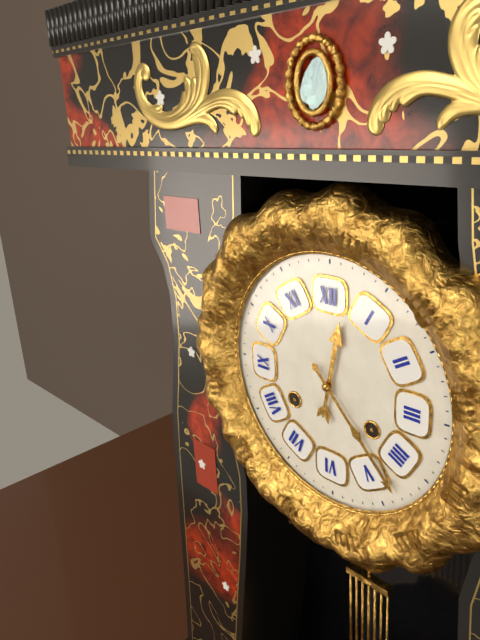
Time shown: {"hour": 12, "minute": 23}
